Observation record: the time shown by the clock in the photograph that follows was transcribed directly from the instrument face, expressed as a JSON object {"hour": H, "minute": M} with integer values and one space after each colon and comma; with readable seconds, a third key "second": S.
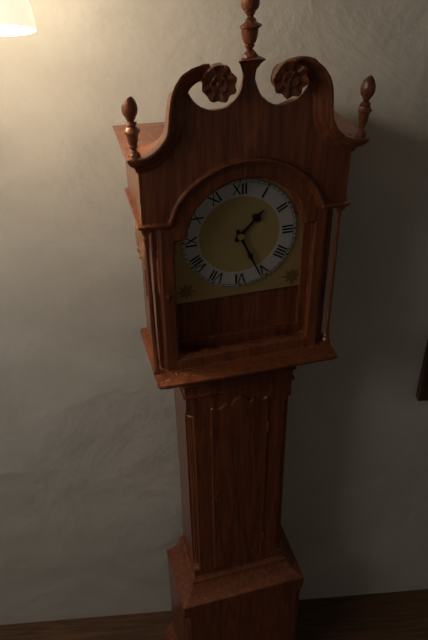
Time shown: {"hour": 1, "minute": 26}
